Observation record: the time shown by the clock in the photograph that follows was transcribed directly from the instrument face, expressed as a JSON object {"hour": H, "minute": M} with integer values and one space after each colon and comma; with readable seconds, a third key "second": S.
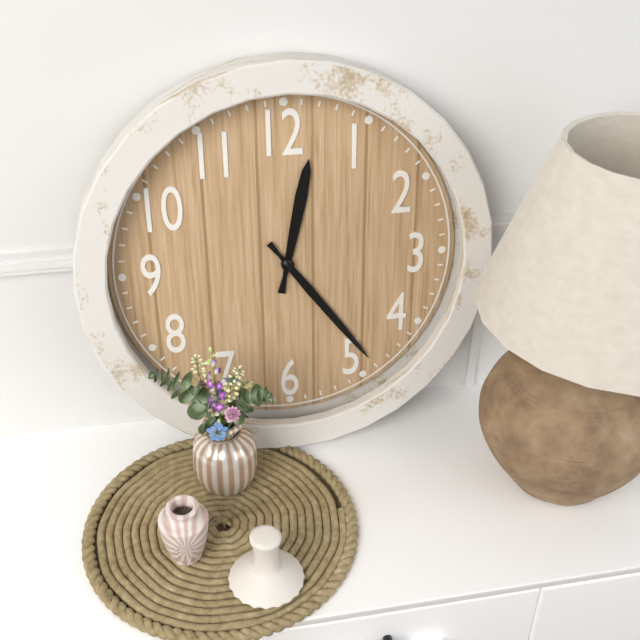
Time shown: {"hour": 12, "minute": 24}
